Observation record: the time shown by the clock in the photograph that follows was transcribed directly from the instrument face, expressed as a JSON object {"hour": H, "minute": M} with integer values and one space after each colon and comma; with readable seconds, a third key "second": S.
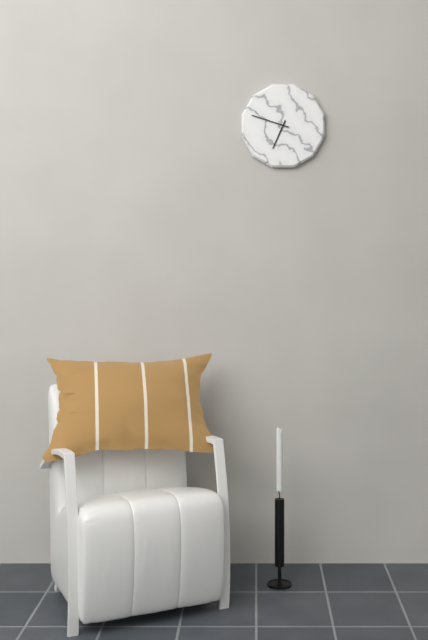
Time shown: {"hour": 6, "minute": 48}
